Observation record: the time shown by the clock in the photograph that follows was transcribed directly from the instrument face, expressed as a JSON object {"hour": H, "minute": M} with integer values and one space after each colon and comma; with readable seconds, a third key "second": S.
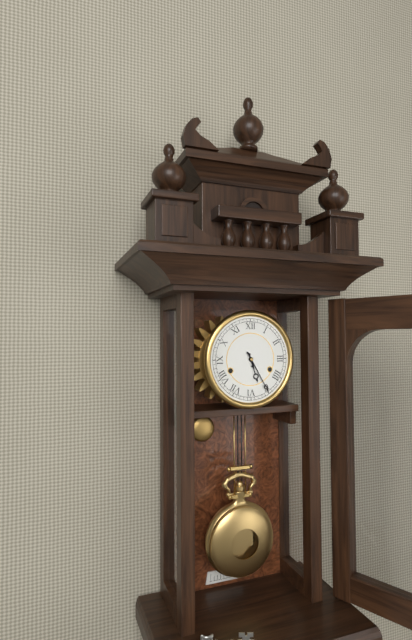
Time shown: {"hour": 5, "minute": 25}
